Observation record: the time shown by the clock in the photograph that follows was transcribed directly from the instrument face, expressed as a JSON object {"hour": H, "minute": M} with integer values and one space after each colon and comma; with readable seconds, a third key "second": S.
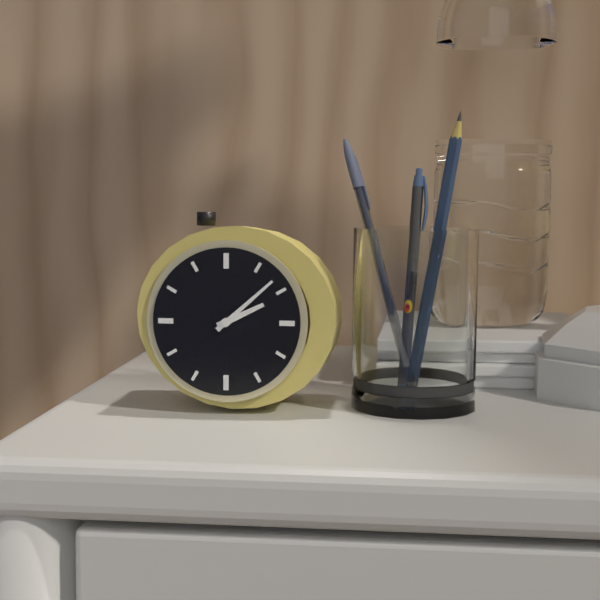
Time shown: {"hour": 2, "minute": 8}
